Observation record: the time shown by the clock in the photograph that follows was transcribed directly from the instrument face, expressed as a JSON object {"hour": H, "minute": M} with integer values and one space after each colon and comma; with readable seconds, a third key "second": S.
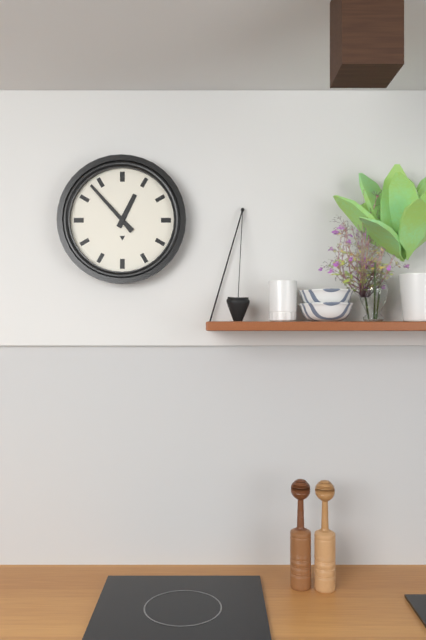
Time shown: {"hour": 12, "minute": 53}
